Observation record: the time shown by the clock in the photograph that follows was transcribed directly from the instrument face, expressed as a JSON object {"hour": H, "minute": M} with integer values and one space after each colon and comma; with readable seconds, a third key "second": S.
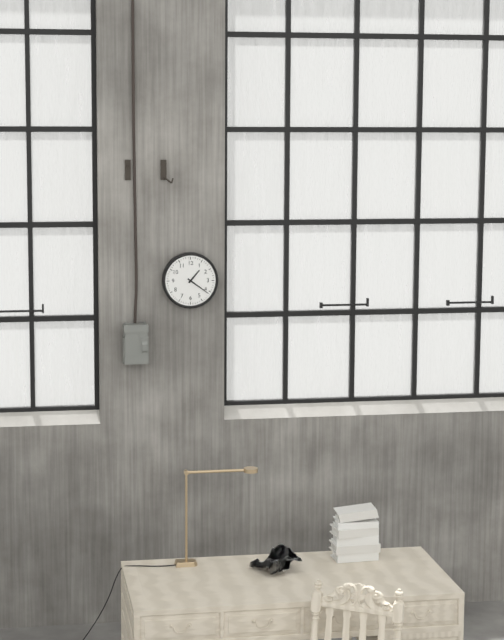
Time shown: {"hour": 1, "minute": 21}
